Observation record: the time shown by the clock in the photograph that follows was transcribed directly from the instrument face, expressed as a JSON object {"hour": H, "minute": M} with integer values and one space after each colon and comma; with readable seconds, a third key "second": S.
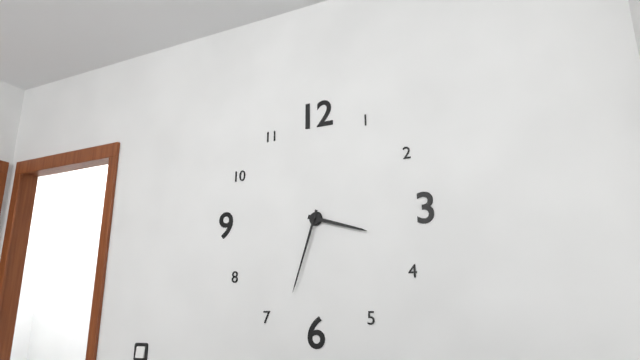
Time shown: {"hour": 3, "minute": 33}
